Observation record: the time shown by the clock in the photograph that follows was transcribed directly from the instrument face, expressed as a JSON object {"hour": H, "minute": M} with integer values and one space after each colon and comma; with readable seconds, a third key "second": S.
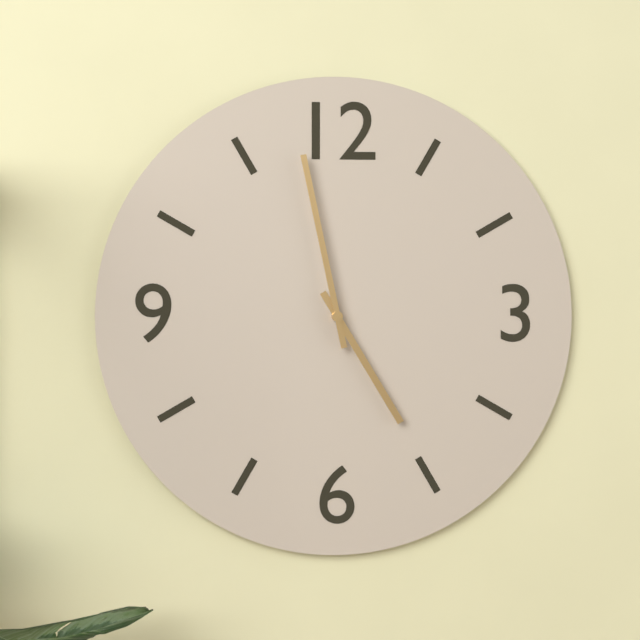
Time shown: {"hour": 4, "minute": 58}
